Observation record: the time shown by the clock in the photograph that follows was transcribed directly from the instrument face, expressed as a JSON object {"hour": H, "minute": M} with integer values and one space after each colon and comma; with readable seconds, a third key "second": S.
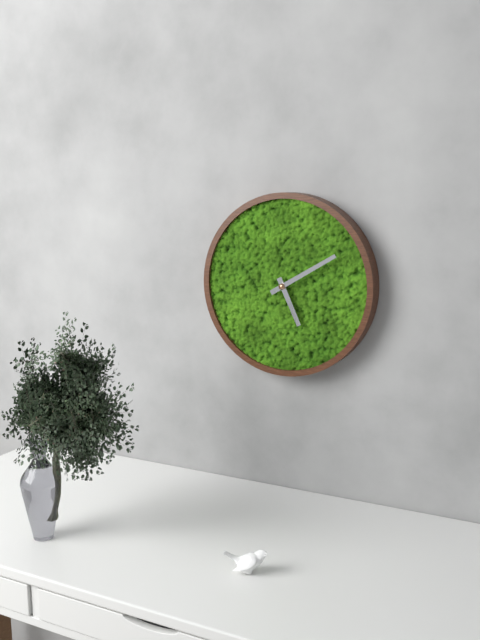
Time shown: {"hour": 5, "minute": 10}
